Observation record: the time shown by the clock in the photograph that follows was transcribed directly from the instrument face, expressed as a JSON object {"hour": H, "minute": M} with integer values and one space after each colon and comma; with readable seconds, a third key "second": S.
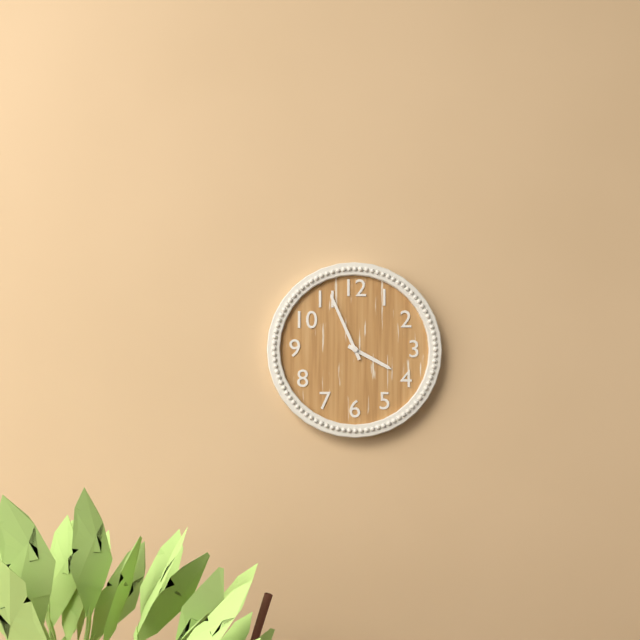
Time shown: {"hour": 3, "minute": 56}
